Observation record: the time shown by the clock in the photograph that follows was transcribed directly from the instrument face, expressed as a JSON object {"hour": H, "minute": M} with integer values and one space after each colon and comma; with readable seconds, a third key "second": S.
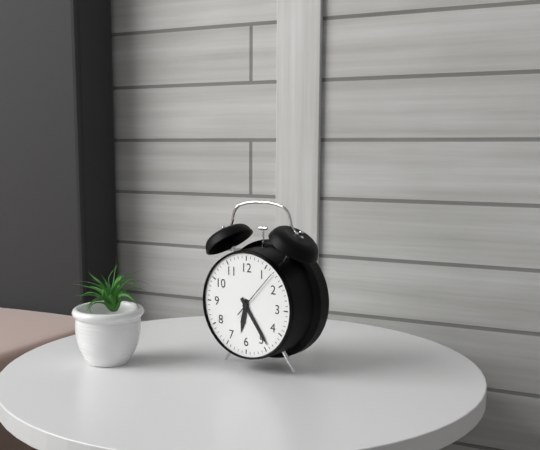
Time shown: {"hour": 6, "minute": 24, "second": 7}
